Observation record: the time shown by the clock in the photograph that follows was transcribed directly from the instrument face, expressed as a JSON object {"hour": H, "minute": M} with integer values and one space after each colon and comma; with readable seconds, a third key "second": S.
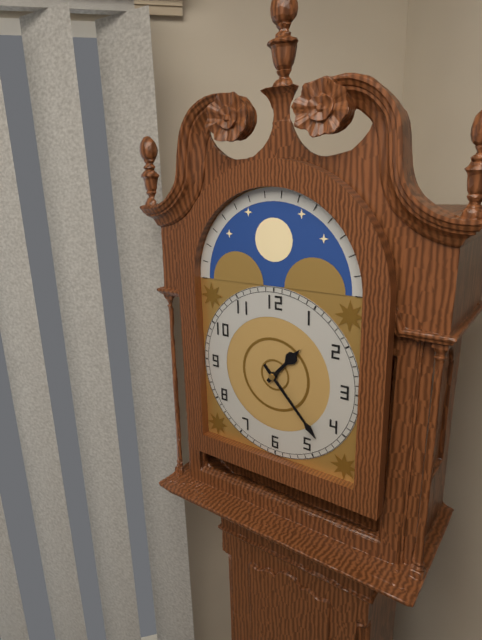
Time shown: {"hour": 1, "minute": 23}
